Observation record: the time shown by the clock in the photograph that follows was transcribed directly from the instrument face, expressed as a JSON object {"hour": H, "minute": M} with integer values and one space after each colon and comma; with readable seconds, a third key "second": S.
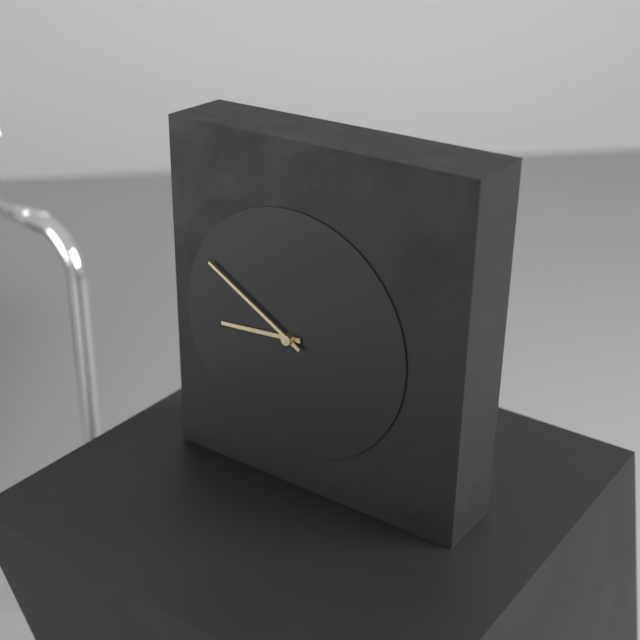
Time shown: {"hour": 8, "minute": 50}
